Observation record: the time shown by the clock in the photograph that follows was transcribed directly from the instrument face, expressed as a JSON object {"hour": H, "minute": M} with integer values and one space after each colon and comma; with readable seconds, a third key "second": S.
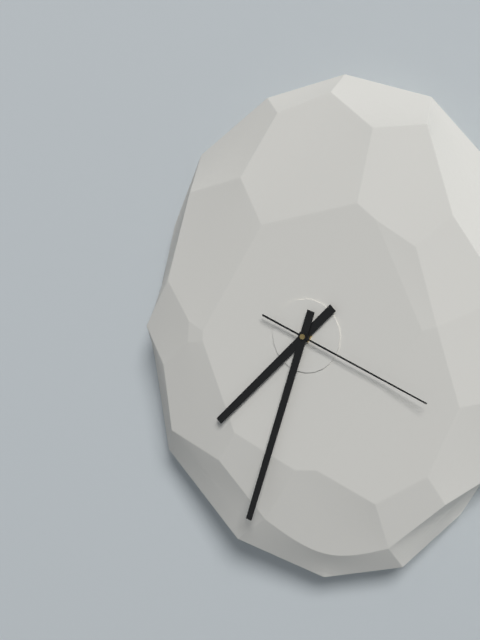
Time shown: {"hour": 7, "minute": 33, "second": 19}
